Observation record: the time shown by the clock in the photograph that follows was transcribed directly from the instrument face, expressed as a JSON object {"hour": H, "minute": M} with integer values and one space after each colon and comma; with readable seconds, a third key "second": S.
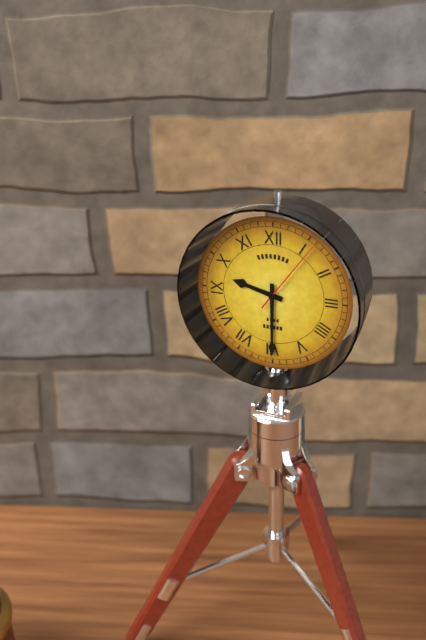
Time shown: {"hour": 9, "minute": 30, "second": 6}
